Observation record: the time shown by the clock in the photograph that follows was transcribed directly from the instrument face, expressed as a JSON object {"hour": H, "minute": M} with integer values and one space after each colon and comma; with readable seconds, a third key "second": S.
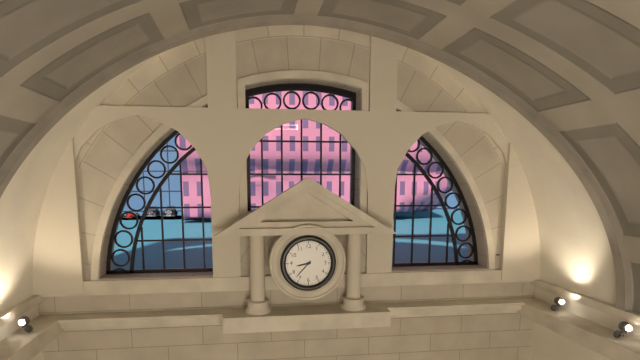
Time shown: {"hour": 8, "minute": 37}
